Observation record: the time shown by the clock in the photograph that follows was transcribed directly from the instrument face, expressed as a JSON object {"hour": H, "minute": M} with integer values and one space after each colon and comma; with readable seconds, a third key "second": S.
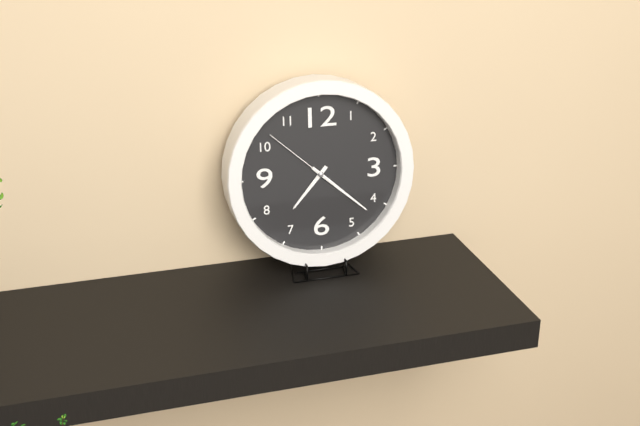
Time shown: {"hour": 7, "minute": 22, "second": 52}
